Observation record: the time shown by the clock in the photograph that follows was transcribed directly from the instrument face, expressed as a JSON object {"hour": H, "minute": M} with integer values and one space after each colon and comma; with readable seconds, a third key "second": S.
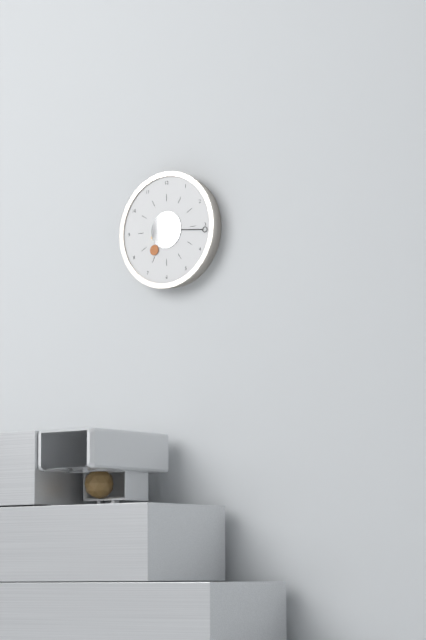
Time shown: {"hour": 7, "minute": 16}
